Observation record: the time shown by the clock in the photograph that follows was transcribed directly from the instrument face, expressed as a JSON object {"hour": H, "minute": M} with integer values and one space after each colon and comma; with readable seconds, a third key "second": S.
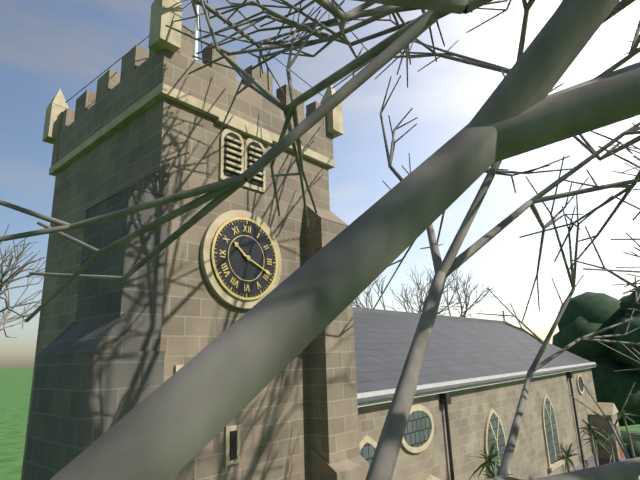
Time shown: {"hour": 10, "minute": 19}
